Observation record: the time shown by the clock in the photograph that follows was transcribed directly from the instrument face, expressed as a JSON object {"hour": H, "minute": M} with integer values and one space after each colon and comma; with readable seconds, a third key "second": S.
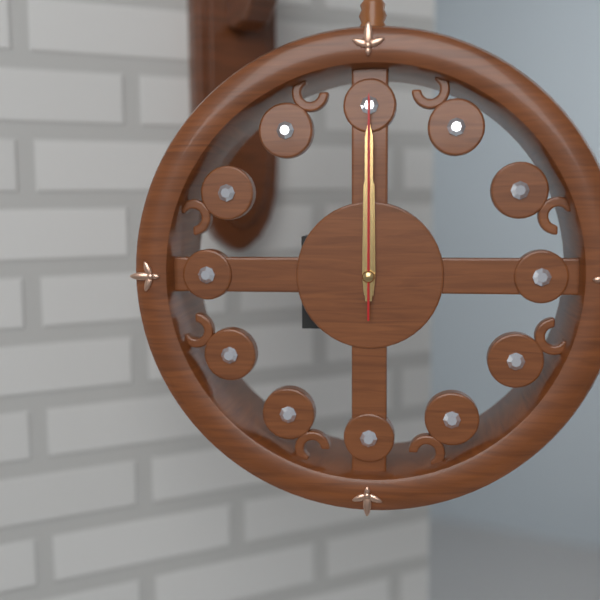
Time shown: {"hour": 12, "minute": 0, "second": 0}
